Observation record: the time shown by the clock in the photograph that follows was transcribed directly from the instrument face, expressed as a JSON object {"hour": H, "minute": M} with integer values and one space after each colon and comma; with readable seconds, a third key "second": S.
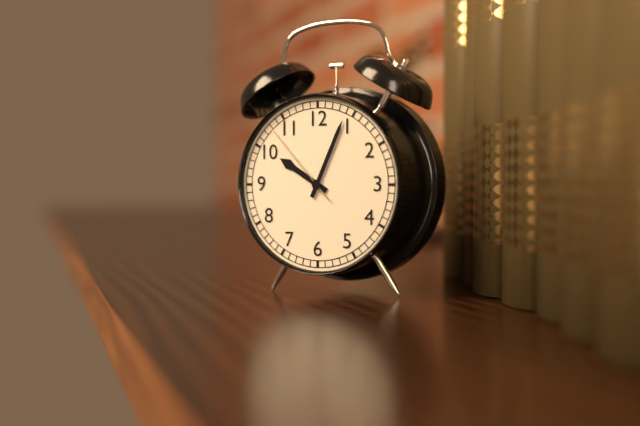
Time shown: {"hour": 10, "minute": 4, "second": 53}
